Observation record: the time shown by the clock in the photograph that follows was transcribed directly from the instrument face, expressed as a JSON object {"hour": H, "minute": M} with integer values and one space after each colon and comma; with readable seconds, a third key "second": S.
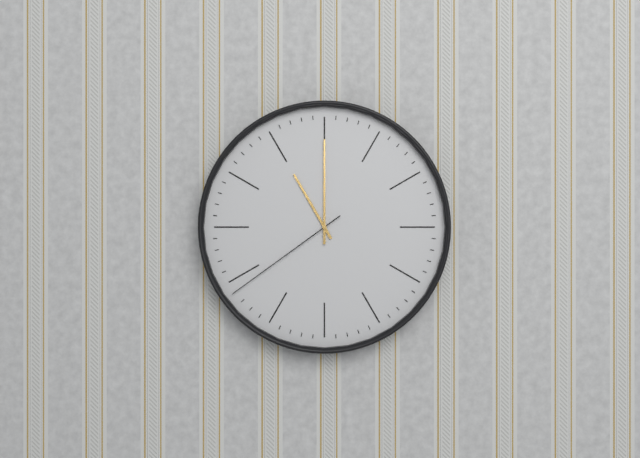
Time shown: {"hour": 11, "minute": 0, "second": 39}
